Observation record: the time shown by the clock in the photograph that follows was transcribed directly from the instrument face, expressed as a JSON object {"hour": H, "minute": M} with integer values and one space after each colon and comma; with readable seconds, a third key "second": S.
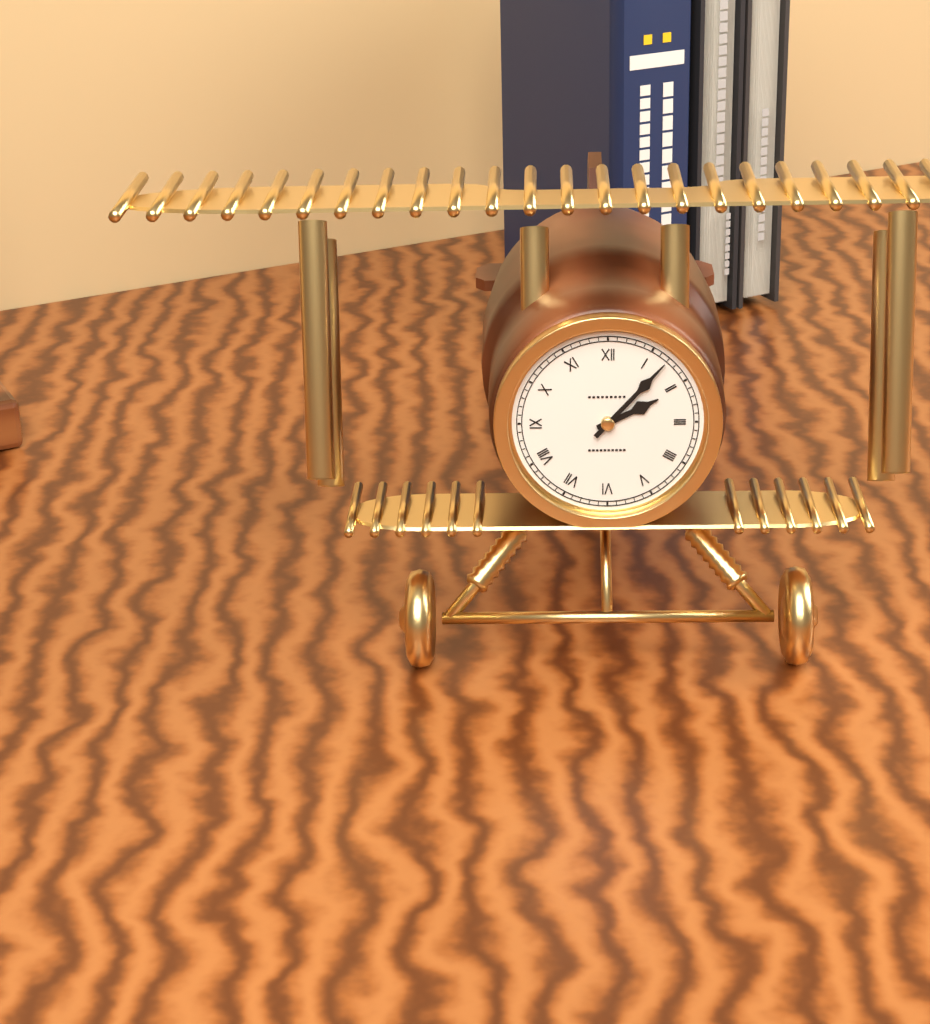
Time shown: {"hour": 2, "minute": 7}
